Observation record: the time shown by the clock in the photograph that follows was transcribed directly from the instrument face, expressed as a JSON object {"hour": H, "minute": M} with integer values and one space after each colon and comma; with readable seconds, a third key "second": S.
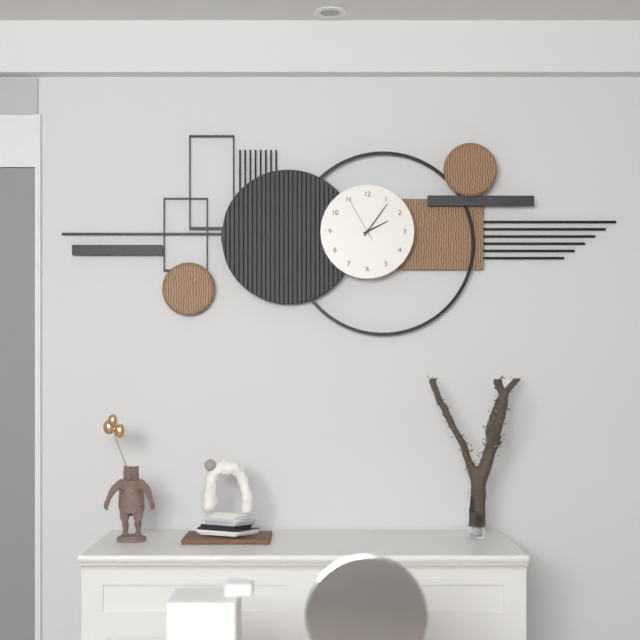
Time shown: {"hour": 2, "minute": 6}
